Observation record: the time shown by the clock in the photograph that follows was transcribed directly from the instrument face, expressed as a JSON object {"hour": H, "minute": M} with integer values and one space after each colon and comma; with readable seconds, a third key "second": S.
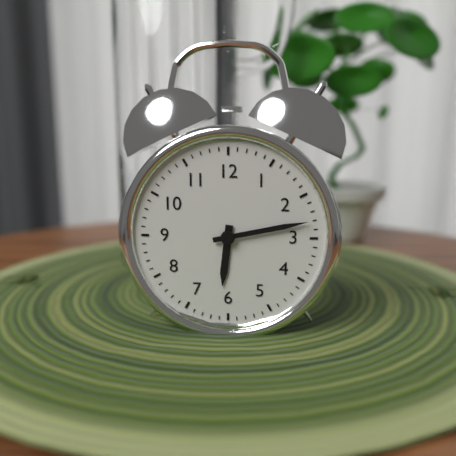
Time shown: {"hour": 6, "minute": 13}
